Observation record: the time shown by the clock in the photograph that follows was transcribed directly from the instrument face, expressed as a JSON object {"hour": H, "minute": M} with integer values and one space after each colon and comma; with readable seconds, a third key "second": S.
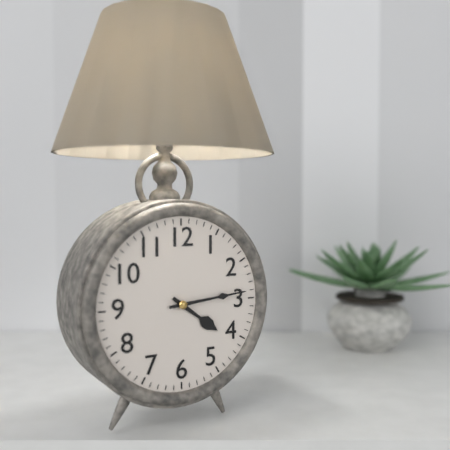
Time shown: {"hour": 4, "minute": 14}
